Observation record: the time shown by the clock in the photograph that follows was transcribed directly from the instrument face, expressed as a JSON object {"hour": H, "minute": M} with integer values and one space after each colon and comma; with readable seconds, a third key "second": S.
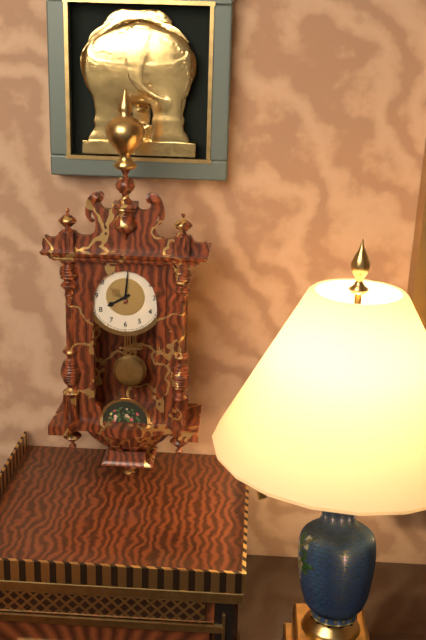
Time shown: {"hour": 8, "minute": 1}
